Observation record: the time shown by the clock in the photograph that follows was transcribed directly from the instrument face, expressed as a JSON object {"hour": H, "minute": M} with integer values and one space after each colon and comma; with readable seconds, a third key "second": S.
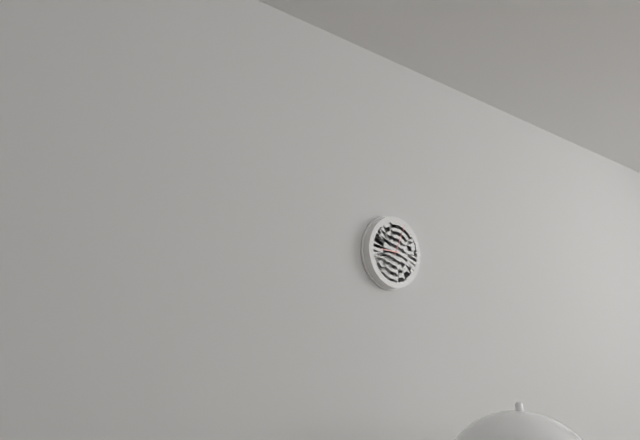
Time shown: {"hour": 9, "minute": 4}
